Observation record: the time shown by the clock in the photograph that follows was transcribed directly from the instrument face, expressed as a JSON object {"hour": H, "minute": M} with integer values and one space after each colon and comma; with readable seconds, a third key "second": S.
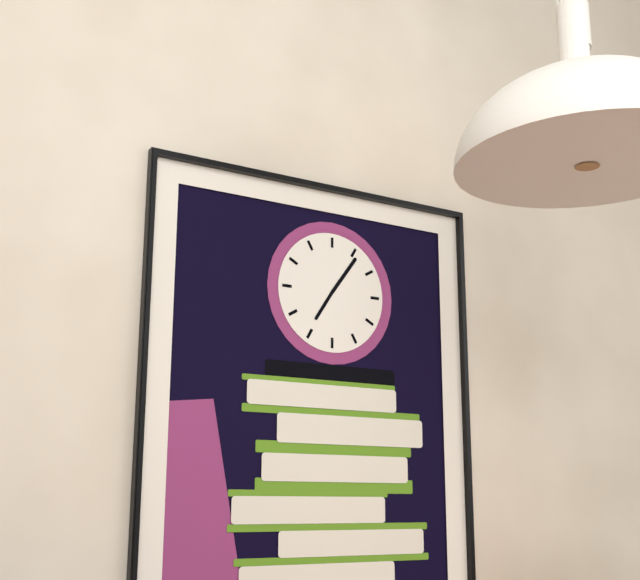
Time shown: {"hour": 7, "minute": 6}
